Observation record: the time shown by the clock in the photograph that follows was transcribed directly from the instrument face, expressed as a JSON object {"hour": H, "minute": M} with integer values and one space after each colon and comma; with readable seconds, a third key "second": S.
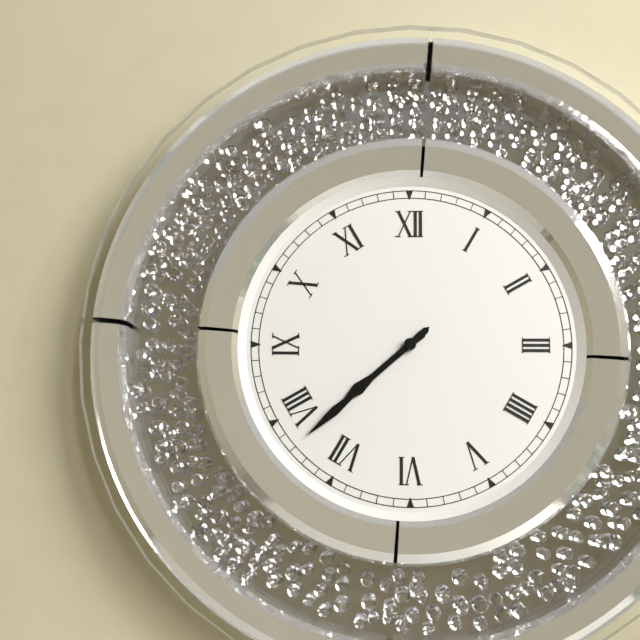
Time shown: {"hour": 7, "minute": 38}
